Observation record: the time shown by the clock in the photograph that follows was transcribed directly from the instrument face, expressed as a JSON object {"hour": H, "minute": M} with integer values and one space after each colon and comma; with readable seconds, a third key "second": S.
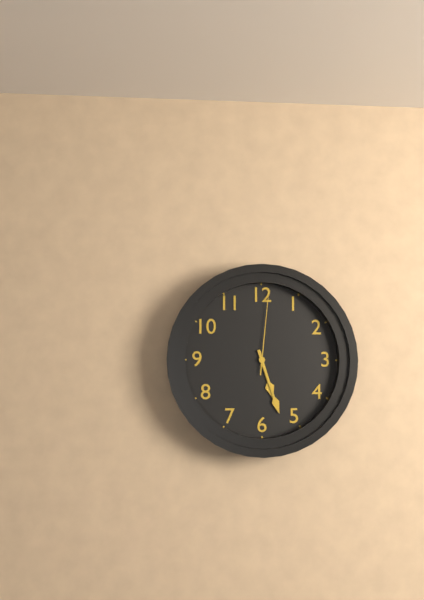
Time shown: {"hour": 5, "minute": 27, "second": 1}
